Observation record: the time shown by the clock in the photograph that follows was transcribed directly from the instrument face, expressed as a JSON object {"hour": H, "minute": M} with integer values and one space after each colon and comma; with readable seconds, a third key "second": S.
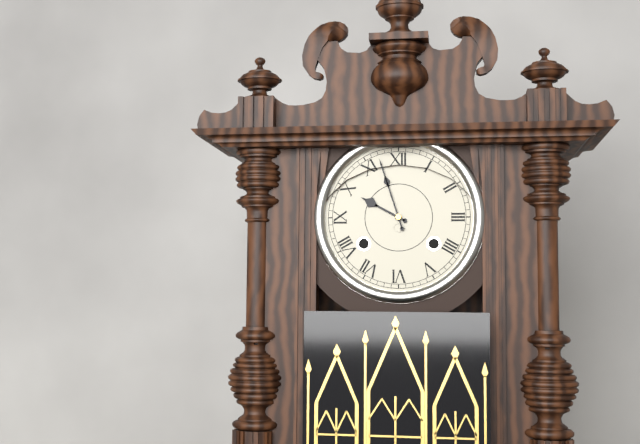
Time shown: {"hour": 9, "minute": 57}
